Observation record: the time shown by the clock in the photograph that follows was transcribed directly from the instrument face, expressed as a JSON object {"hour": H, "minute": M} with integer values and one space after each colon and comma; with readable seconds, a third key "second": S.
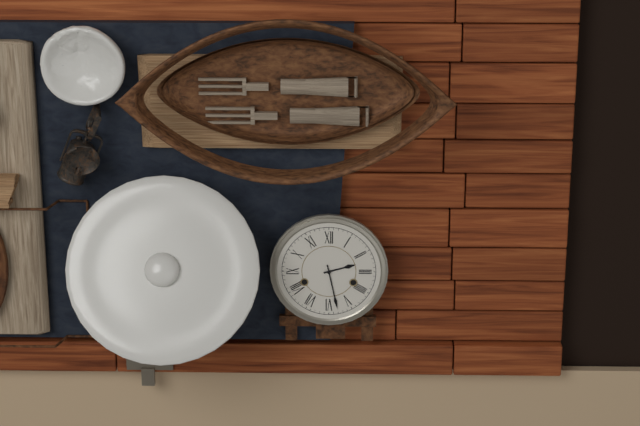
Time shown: {"hour": 2, "minute": 28}
